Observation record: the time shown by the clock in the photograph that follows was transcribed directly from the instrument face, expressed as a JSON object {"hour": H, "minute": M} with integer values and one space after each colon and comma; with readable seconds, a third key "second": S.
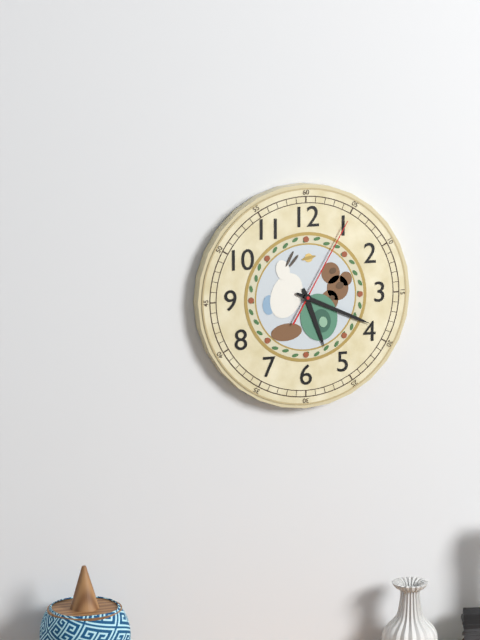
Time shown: {"hour": 5, "minute": 19, "second": 5}
